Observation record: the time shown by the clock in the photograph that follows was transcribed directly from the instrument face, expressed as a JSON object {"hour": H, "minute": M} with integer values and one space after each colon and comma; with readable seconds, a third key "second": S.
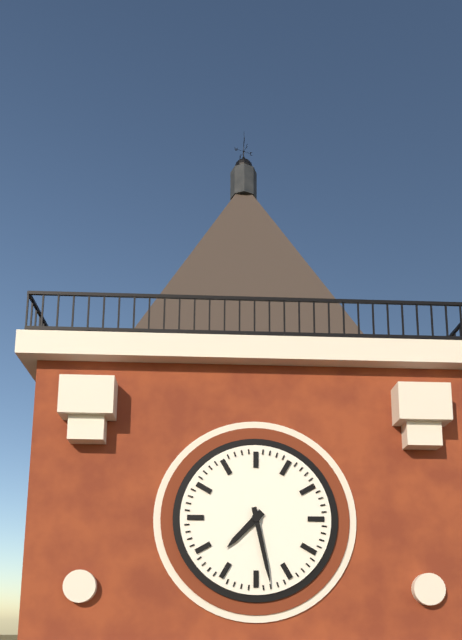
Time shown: {"hour": 7, "minute": 28}
